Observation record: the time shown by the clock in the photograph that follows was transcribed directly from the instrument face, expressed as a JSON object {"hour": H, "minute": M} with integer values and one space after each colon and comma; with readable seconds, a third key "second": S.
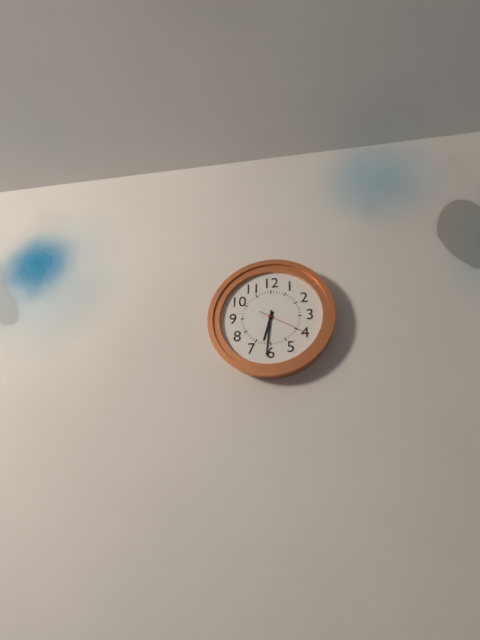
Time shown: {"hour": 6, "minute": 31}
